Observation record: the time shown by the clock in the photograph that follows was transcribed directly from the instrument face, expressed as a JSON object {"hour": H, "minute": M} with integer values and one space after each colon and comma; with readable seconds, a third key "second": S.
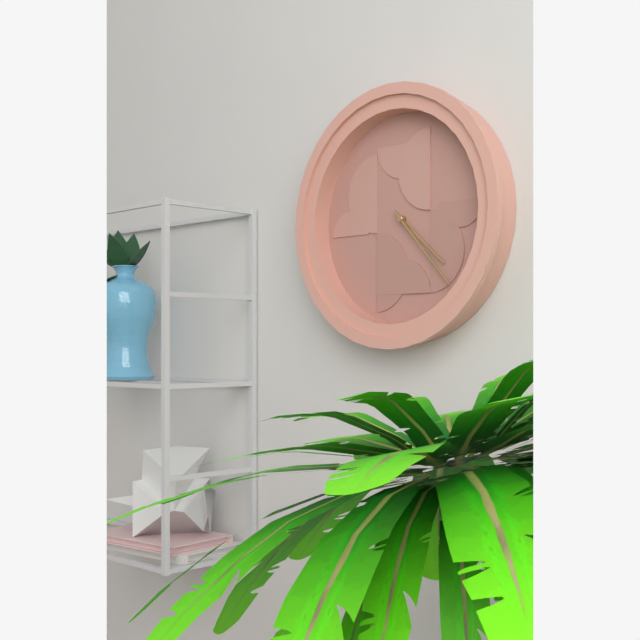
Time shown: {"hour": 4, "minute": 23}
